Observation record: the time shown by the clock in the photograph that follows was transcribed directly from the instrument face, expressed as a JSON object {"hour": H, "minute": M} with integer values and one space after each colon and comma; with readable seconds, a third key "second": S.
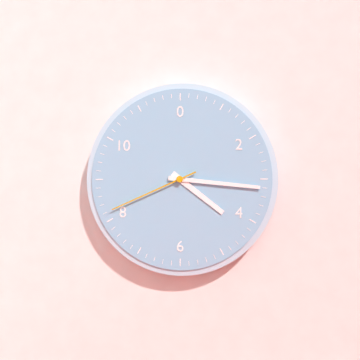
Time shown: {"hour": 4, "minute": 16, "second": 41}
